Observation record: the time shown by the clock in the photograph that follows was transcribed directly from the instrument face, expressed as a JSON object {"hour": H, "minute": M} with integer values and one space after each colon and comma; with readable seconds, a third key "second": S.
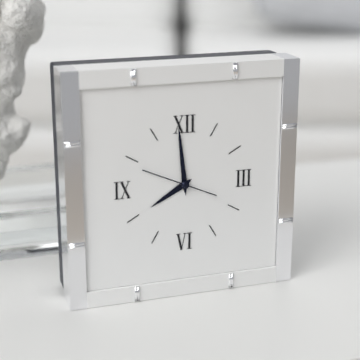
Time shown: {"hour": 7, "minute": 59, "second": 49}
